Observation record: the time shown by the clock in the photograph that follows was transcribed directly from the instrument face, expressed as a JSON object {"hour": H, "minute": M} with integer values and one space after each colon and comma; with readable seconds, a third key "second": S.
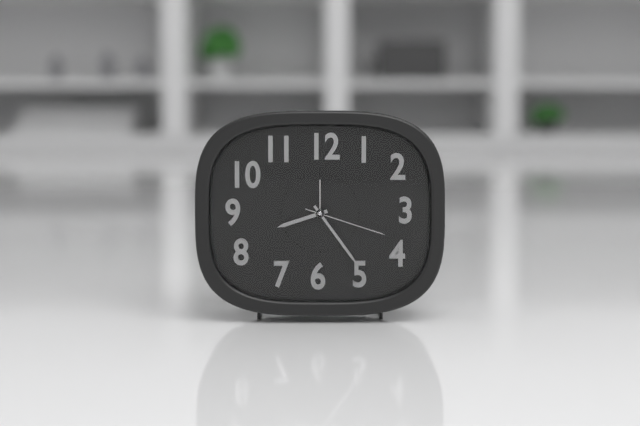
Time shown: {"hour": 8, "minute": 24, "second": 18}
